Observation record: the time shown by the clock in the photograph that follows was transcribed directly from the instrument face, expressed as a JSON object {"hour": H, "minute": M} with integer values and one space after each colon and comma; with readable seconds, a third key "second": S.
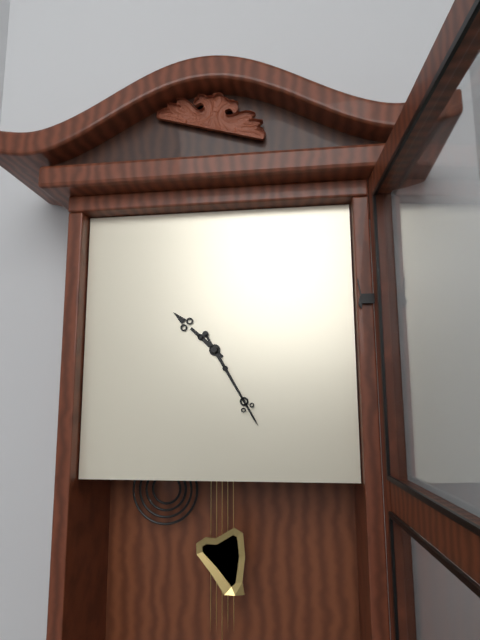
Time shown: {"hour": 10, "minute": 25}
